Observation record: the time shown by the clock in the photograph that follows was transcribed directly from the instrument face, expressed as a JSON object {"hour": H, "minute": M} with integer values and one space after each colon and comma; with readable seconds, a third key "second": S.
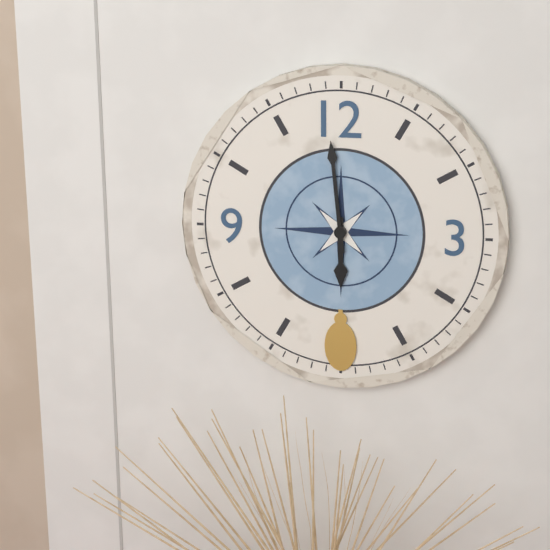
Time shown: {"hour": 5, "minute": 59}
